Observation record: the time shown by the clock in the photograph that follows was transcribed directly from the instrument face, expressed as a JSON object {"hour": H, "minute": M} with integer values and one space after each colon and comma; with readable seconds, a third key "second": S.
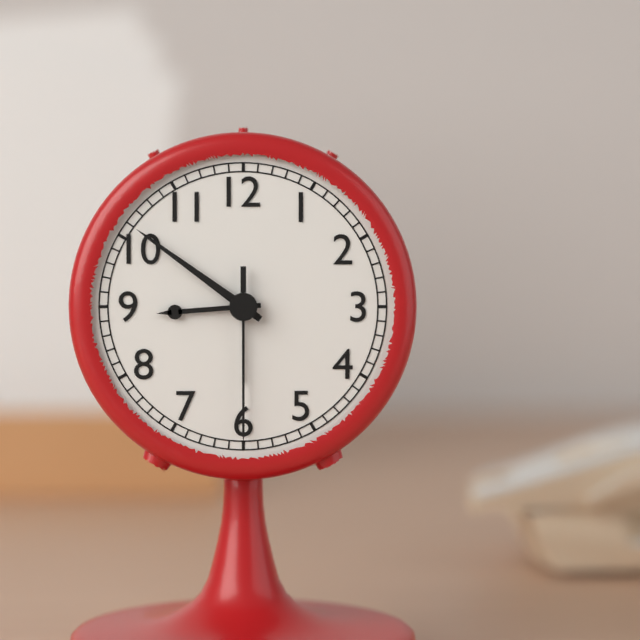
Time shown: {"hour": 8, "minute": 51, "second": 30}
